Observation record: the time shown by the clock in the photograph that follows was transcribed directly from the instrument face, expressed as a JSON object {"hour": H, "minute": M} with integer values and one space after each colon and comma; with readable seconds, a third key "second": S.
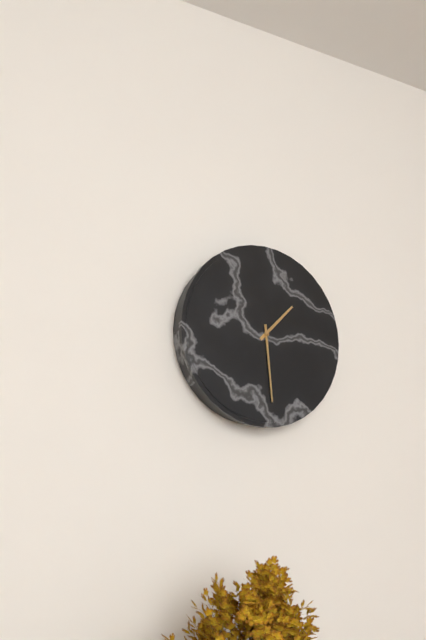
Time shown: {"hour": 1, "minute": 29}
